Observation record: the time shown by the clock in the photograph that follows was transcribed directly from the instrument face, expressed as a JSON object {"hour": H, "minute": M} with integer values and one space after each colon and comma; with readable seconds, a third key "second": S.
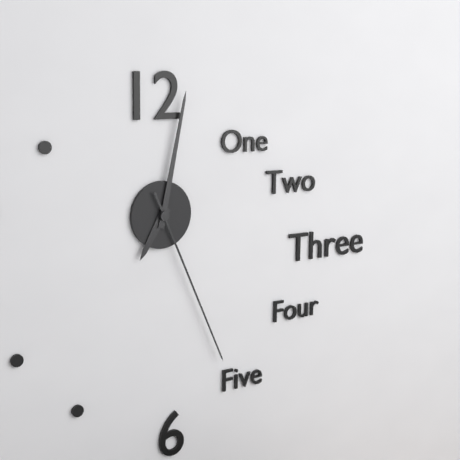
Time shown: {"hour": 7, "minute": 2, "second": 26}
